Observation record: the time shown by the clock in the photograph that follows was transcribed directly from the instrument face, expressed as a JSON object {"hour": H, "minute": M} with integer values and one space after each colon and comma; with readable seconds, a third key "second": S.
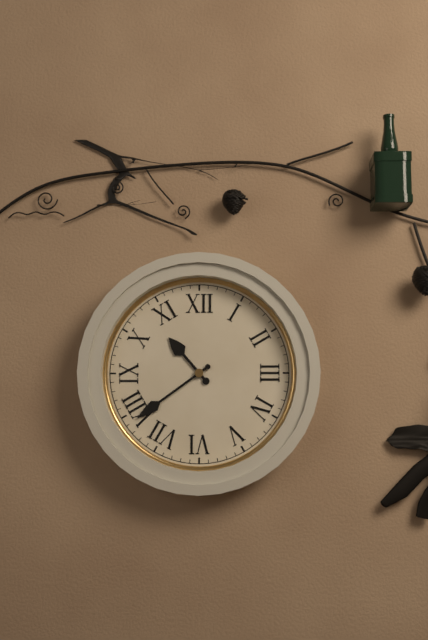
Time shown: {"hour": 10, "minute": 39}
